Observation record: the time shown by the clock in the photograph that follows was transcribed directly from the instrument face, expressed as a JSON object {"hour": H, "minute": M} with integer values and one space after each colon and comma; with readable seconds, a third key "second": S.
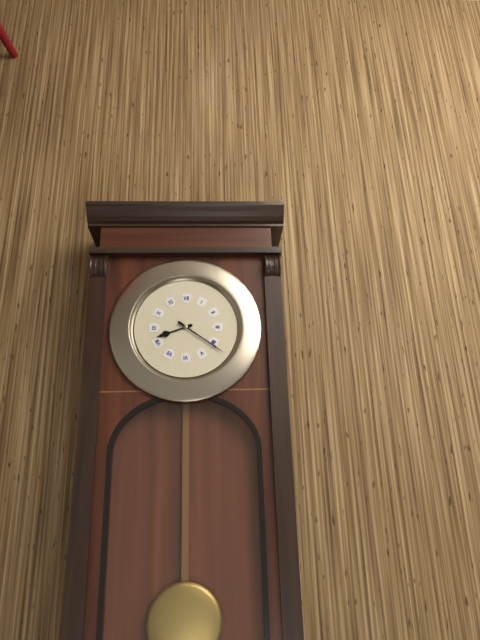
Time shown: {"hour": 8, "minute": 21}
